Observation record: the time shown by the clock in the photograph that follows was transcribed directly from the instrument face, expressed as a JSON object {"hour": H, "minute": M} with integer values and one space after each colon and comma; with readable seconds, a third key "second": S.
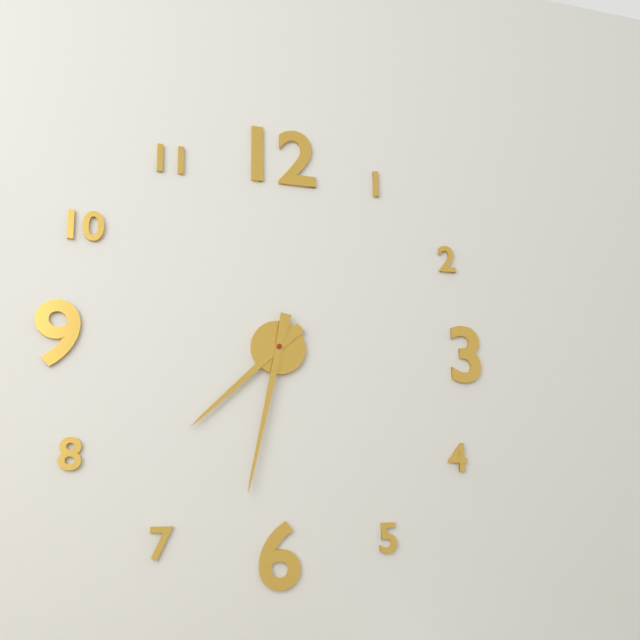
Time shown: {"hour": 7, "minute": 32}
